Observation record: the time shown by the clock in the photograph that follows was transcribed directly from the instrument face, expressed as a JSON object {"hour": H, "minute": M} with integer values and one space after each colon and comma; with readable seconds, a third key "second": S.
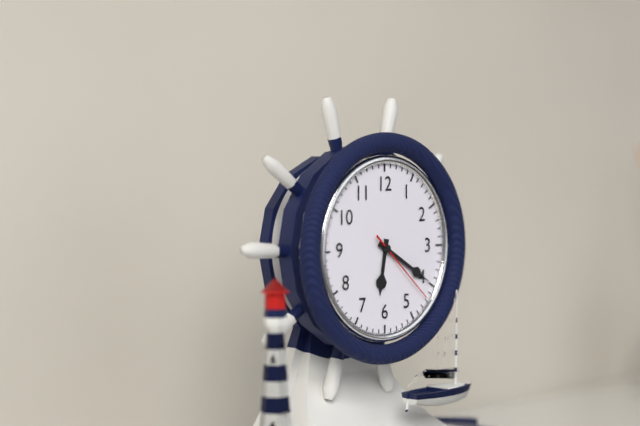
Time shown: {"hour": 6, "minute": 20, "second": 22}
